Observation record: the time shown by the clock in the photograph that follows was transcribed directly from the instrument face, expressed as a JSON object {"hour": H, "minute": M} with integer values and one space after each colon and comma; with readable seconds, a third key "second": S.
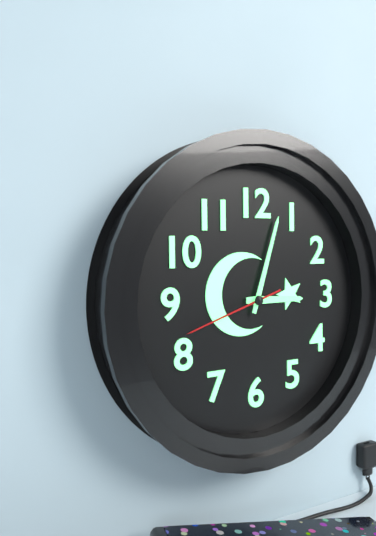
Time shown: {"hour": 3, "minute": 3, "second": 42}
